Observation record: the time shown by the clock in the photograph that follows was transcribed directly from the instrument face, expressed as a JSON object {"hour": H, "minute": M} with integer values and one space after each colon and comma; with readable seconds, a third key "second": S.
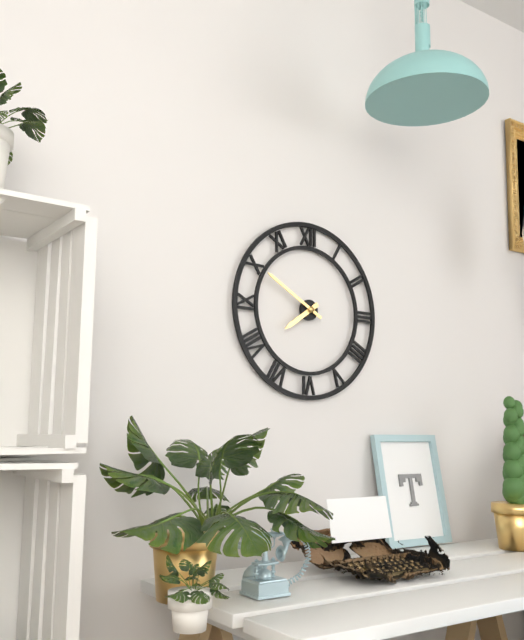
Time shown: {"hour": 7, "minute": 50}
